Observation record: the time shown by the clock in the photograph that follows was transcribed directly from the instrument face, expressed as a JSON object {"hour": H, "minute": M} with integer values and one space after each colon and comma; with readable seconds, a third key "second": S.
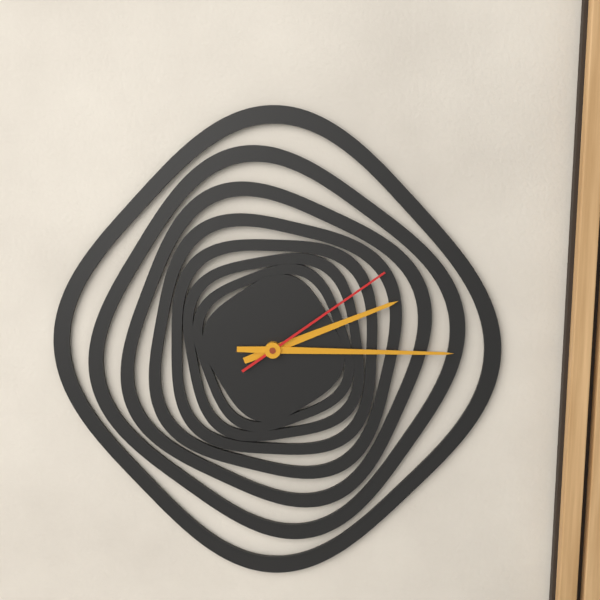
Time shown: {"hour": 2, "minute": 15, "second": 9}
